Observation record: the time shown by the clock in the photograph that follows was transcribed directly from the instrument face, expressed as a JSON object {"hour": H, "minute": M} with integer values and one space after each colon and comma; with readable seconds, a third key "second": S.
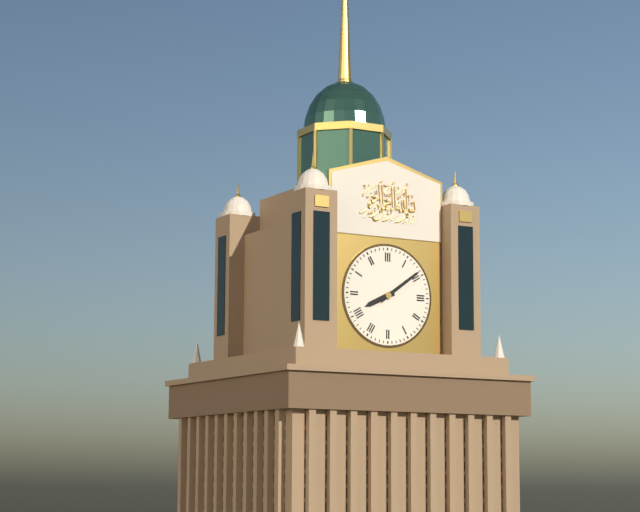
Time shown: {"hour": 8, "minute": 9}
